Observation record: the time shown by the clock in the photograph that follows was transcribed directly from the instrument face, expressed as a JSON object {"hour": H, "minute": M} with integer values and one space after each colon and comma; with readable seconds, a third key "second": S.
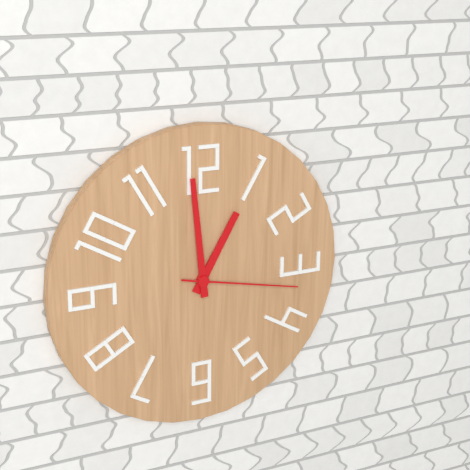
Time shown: {"hour": 12, "minute": 59, "second": 17}
